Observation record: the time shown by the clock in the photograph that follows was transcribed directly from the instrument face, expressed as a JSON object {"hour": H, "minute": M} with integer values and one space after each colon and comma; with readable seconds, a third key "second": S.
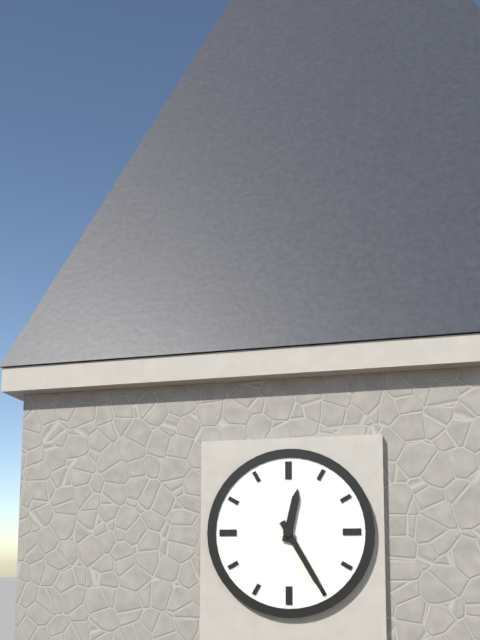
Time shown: {"hour": 12, "minute": 25}
